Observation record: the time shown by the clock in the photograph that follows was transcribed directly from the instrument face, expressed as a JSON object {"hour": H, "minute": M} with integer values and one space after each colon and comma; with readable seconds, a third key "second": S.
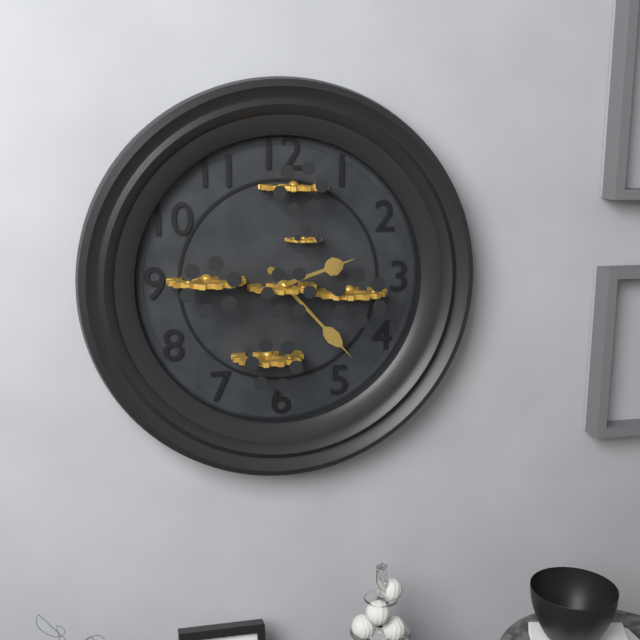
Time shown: {"hour": 2, "minute": 23}
